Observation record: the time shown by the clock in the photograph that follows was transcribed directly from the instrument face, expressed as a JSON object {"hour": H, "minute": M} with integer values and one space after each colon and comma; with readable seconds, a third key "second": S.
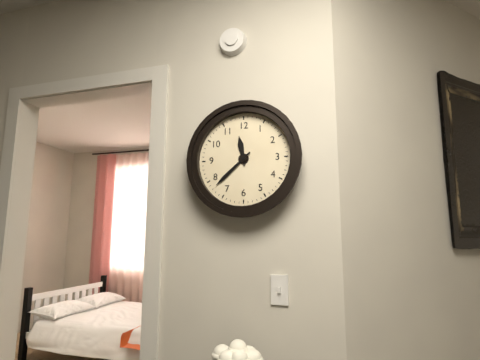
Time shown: {"hour": 11, "minute": 38}
